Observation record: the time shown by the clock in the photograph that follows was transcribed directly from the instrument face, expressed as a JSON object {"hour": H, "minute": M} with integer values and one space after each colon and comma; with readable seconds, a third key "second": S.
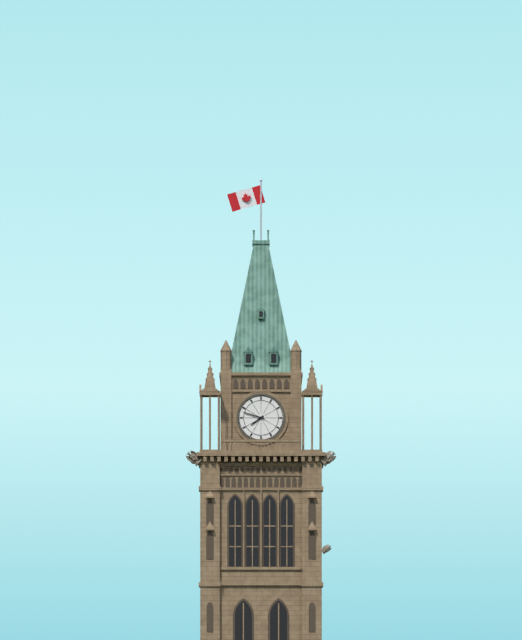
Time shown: {"hour": 7, "minute": 48}
